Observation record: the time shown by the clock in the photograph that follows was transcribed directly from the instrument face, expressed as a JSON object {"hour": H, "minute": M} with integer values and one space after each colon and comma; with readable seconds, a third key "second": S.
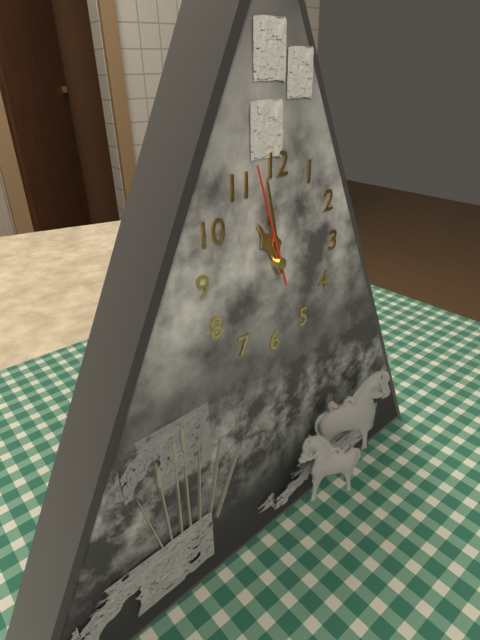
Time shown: {"hour": 10, "minute": 58, "second": 57}
